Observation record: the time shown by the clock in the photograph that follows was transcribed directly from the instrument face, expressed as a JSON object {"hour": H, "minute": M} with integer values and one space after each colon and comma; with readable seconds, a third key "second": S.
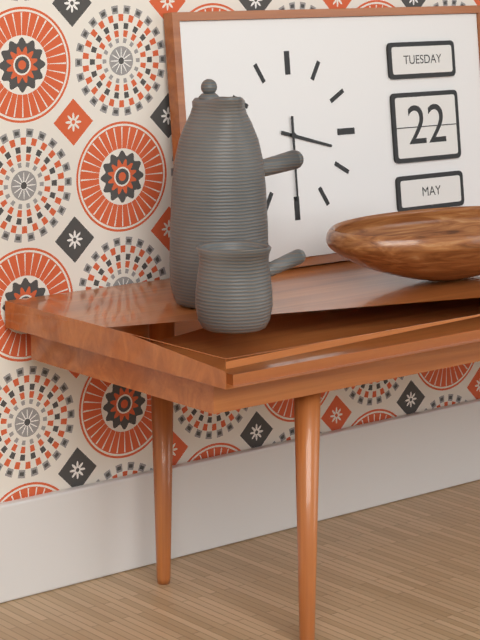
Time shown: {"hour": 3, "minute": 30}
